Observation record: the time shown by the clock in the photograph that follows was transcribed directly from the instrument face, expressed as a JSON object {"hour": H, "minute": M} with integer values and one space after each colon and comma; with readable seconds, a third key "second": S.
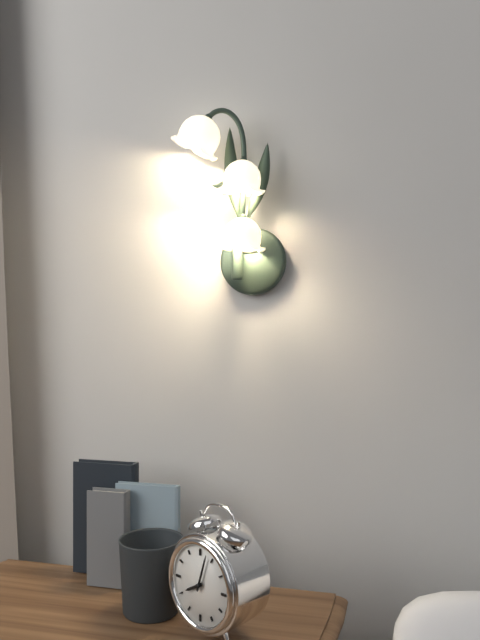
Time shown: {"hour": 8, "minute": 3}
